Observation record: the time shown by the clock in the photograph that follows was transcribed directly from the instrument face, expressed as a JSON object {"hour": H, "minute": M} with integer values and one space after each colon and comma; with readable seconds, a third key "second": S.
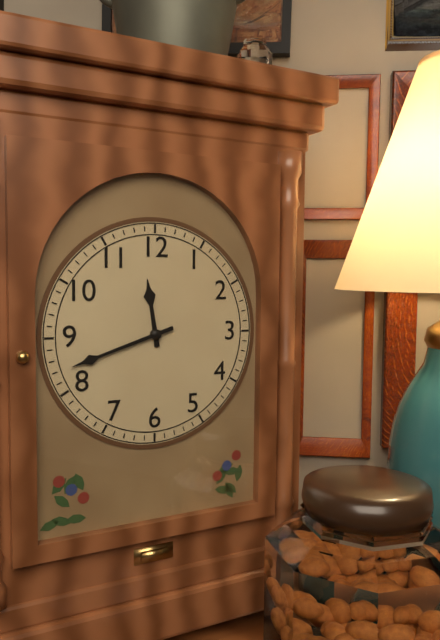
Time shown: {"hour": 11, "minute": 42}
